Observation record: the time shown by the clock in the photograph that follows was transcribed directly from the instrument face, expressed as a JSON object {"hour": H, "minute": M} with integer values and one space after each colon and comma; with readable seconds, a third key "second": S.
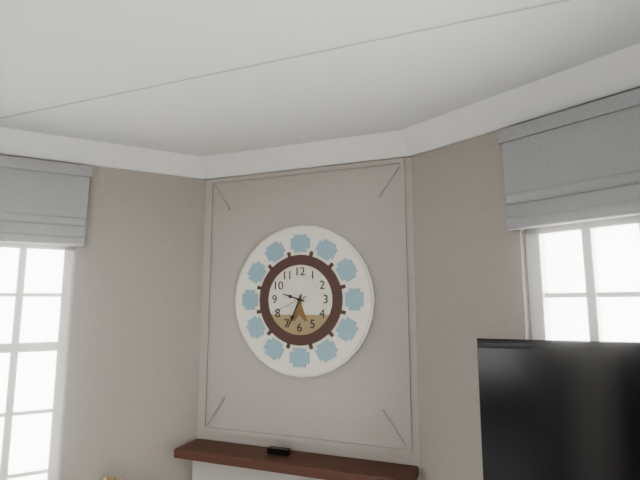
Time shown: {"hour": 9, "minute": 34}
